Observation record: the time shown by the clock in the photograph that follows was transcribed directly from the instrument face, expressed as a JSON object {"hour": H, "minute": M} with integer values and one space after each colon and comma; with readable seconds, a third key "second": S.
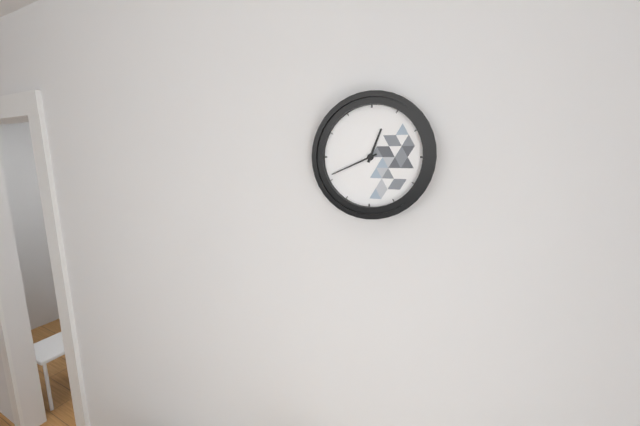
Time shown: {"hour": 12, "minute": 41}
